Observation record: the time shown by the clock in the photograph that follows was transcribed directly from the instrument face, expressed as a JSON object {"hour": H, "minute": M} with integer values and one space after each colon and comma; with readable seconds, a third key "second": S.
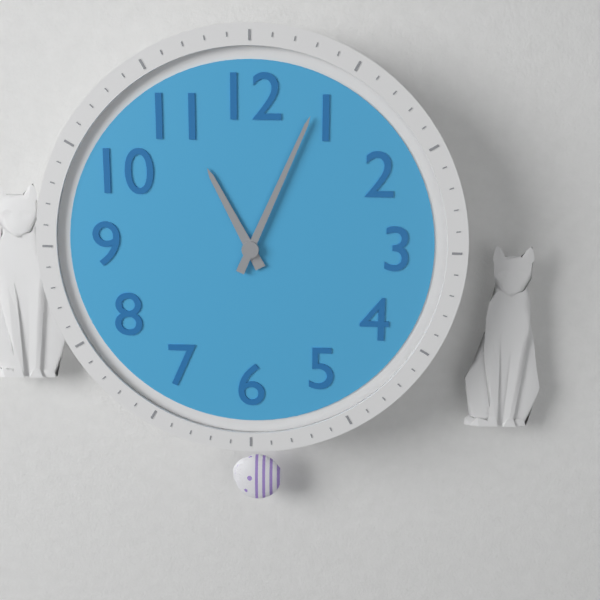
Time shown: {"hour": 11, "minute": 4}
